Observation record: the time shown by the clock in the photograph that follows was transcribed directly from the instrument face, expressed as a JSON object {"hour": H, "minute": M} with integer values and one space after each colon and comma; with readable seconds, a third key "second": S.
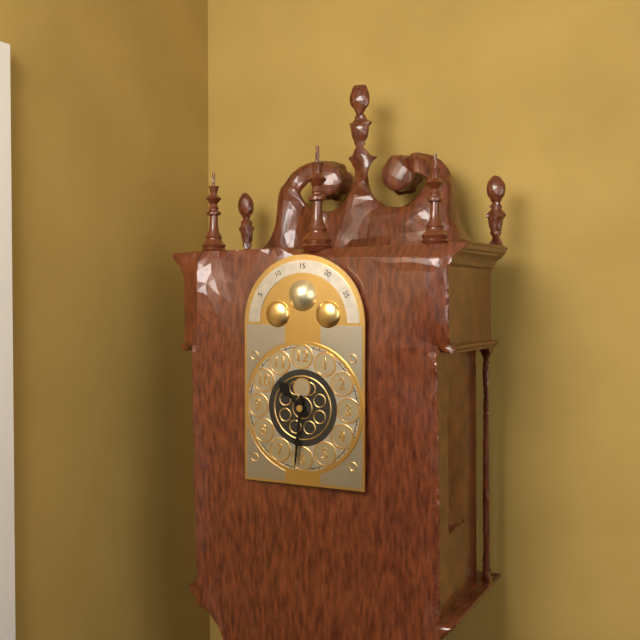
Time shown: {"hour": 10, "minute": 31}
